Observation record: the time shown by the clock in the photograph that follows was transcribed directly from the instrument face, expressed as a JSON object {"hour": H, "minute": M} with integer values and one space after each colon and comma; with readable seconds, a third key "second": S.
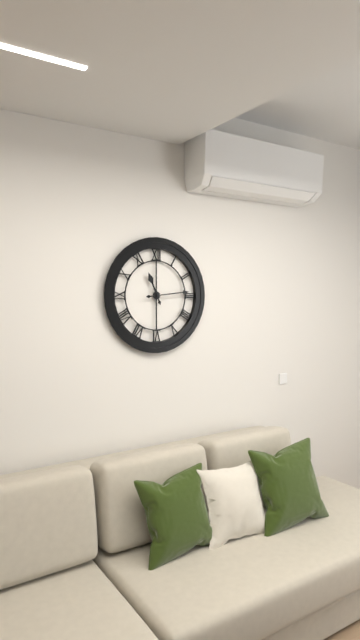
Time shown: {"hour": 11, "minute": 14}
